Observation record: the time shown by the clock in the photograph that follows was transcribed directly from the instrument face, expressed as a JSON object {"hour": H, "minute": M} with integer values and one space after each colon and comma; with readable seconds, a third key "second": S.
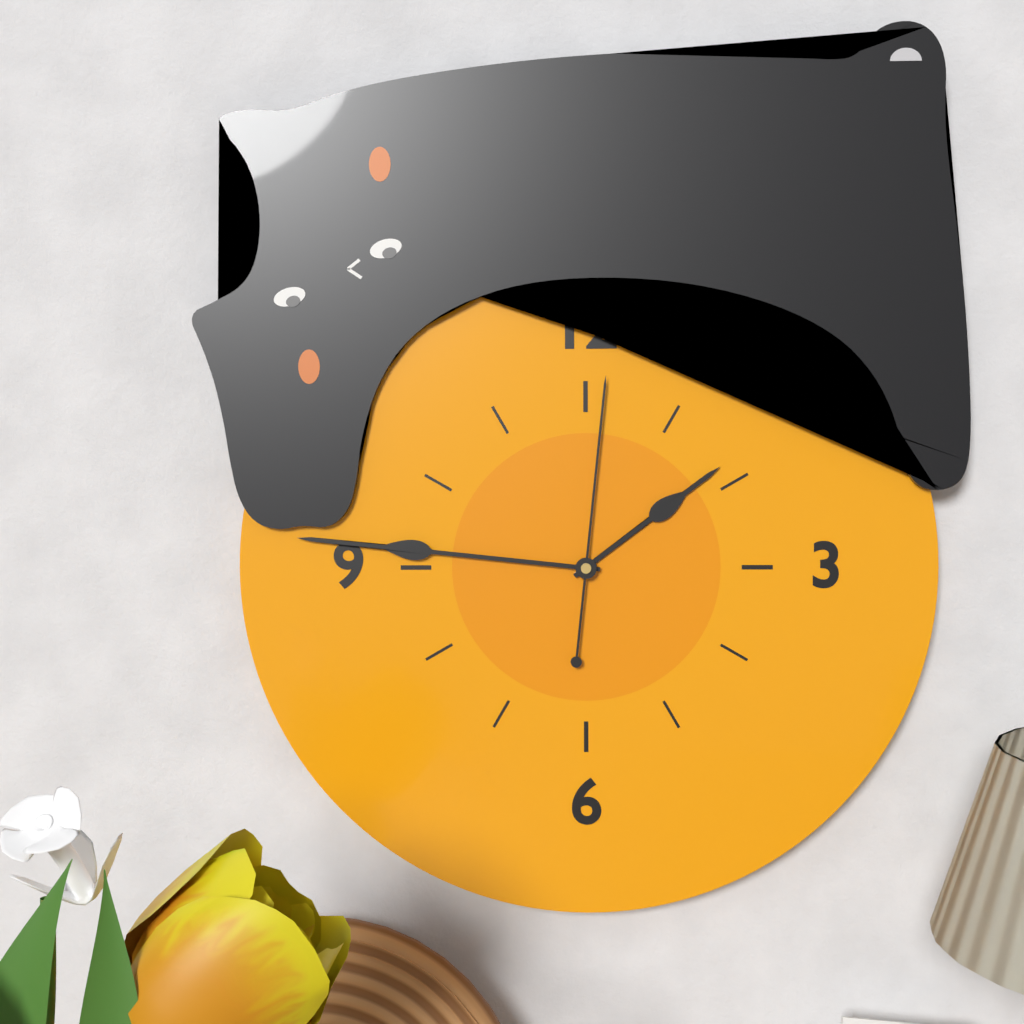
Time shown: {"hour": 1, "minute": 46, "second": 1}
